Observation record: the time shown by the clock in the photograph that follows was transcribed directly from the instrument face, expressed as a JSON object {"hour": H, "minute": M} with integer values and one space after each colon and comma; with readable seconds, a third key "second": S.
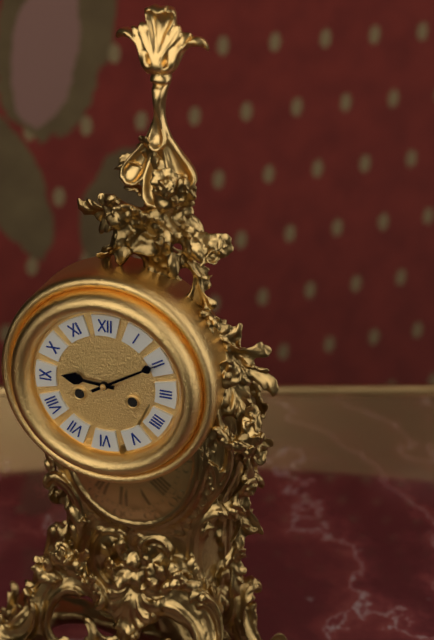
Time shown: {"hour": 9, "minute": 10}
